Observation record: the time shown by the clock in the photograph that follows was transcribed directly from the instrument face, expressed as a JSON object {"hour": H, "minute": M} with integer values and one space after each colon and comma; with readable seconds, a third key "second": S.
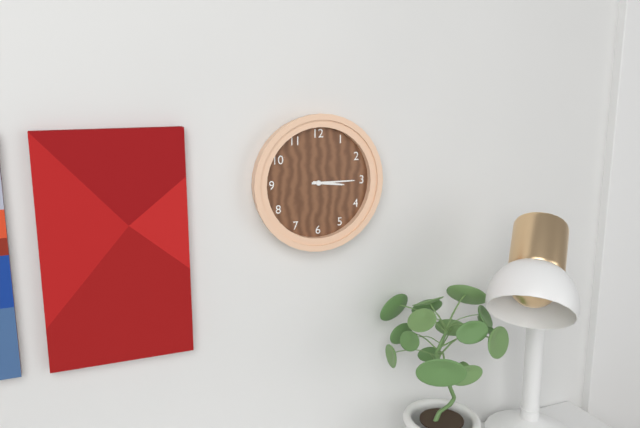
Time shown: {"hour": 3, "minute": 15}
